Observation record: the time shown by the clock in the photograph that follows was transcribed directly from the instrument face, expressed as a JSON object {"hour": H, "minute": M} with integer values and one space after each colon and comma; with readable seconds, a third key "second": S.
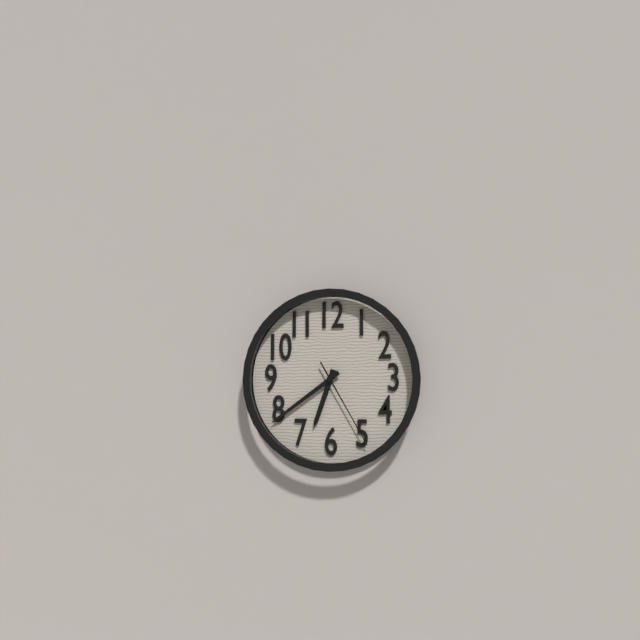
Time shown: {"hour": 6, "minute": 39, "second": 25}
